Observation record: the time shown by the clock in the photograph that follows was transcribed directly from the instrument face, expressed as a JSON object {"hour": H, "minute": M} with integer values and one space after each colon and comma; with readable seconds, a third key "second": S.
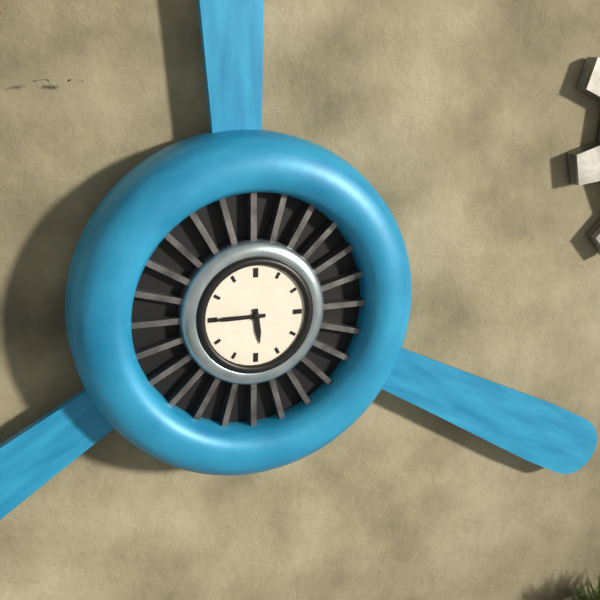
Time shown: {"hour": 5, "minute": 45}
